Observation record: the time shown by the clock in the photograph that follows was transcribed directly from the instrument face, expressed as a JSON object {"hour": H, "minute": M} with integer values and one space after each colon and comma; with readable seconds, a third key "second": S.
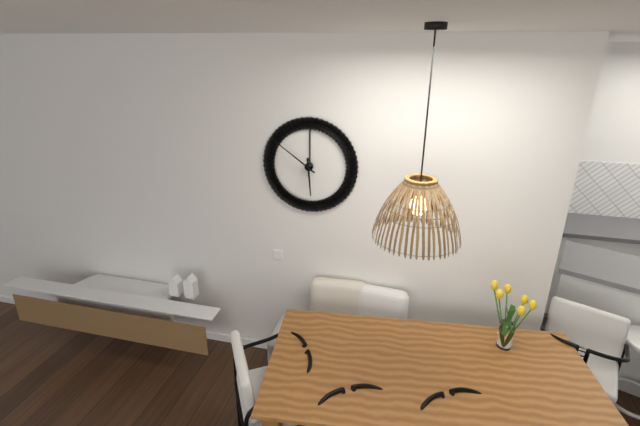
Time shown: {"hour": 5, "minute": 51}
